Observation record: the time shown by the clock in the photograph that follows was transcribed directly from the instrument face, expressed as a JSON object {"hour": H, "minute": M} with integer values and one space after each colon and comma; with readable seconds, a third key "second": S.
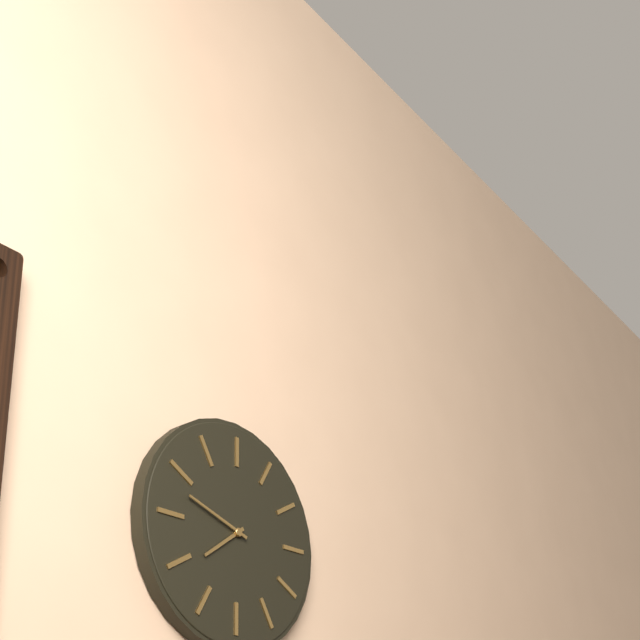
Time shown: {"hour": 7, "minute": 48}
